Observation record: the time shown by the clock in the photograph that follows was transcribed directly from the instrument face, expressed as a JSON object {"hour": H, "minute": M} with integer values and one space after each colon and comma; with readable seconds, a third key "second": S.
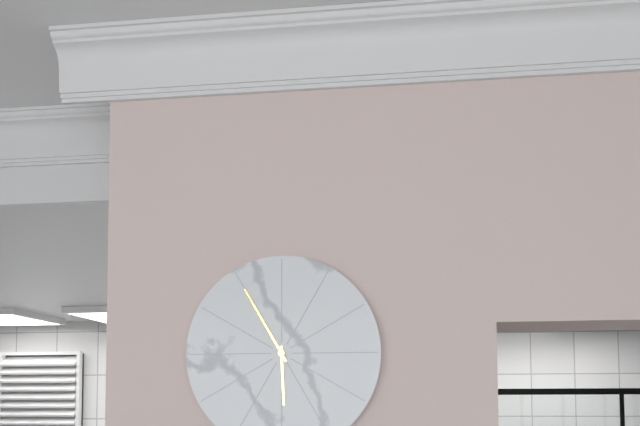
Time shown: {"hour": 5, "minute": 55}
